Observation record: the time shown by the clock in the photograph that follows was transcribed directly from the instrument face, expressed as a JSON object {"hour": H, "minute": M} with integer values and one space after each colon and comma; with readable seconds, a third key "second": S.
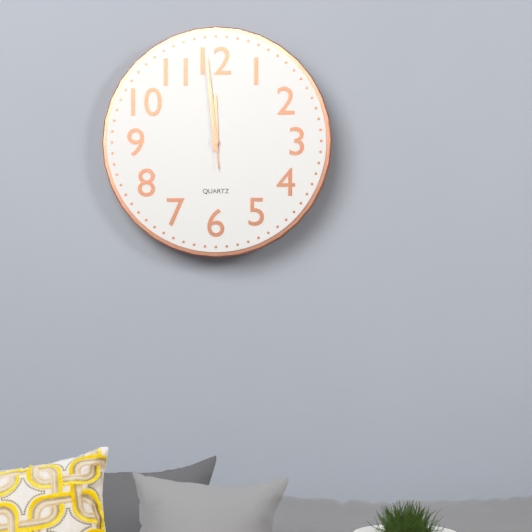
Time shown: {"hour": 11, "minute": 59, "second": 59}
